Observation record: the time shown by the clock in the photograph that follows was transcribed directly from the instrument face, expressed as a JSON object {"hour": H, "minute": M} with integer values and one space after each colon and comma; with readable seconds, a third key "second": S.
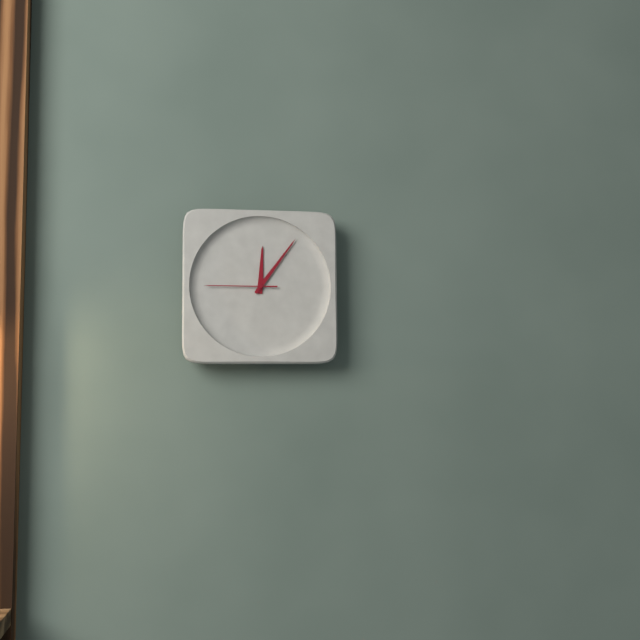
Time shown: {"hour": 12, "minute": 6, "second": 45}
